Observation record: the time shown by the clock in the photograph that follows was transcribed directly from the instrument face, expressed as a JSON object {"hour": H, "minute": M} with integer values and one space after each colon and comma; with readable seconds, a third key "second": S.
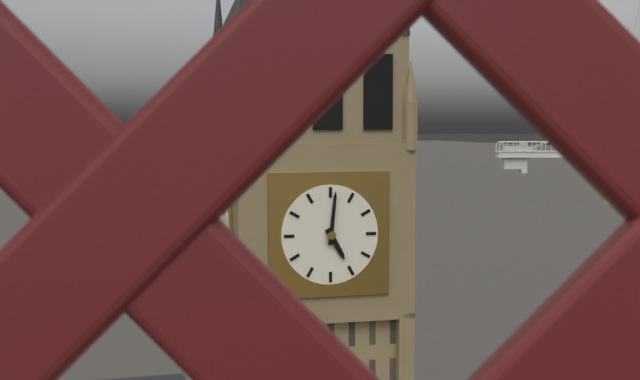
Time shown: {"hour": 5, "minute": 1}
